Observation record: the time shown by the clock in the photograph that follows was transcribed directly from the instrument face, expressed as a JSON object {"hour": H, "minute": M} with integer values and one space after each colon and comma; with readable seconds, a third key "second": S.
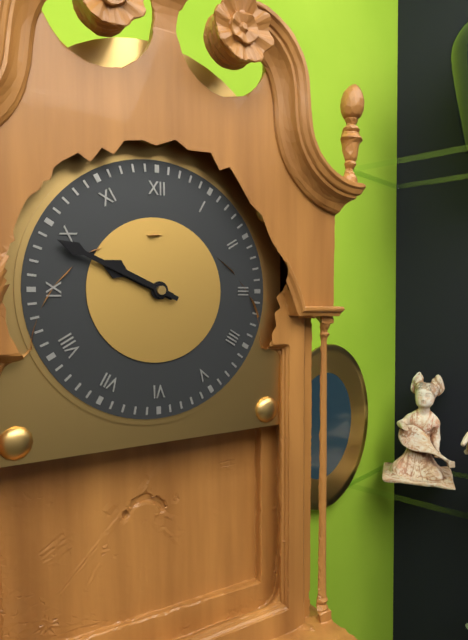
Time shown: {"hour": 9, "minute": 49}
